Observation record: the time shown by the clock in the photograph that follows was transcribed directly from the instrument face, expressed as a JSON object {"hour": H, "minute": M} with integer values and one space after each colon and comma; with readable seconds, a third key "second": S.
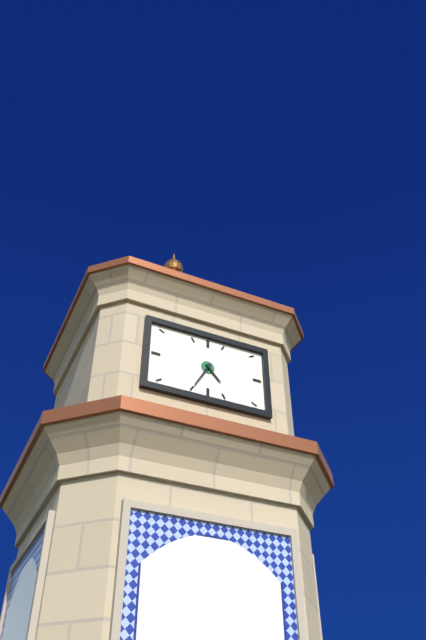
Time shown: {"hour": 4, "minute": 35}
